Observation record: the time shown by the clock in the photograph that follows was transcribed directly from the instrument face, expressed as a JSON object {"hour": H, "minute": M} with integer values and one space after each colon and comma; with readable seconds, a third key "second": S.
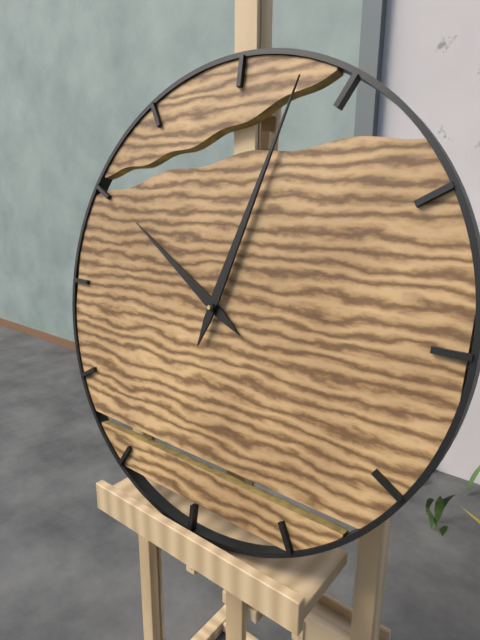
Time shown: {"hour": 10, "minute": 3}
